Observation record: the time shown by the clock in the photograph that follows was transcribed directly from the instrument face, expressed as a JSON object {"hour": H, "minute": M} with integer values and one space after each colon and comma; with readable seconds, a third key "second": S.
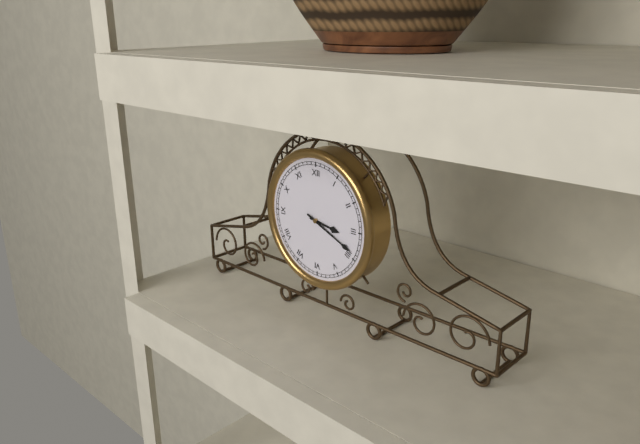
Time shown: {"hour": 3, "minute": 19}
